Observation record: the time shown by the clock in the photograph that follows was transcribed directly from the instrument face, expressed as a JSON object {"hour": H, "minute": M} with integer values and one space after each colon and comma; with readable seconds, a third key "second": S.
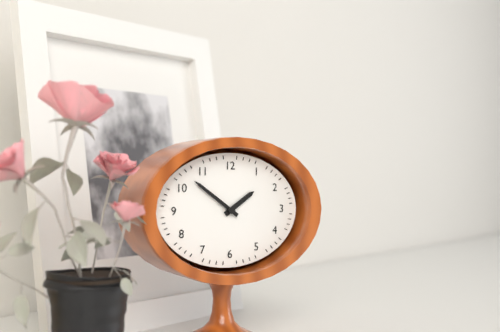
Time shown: {"hour": 1, "minute": 51}
